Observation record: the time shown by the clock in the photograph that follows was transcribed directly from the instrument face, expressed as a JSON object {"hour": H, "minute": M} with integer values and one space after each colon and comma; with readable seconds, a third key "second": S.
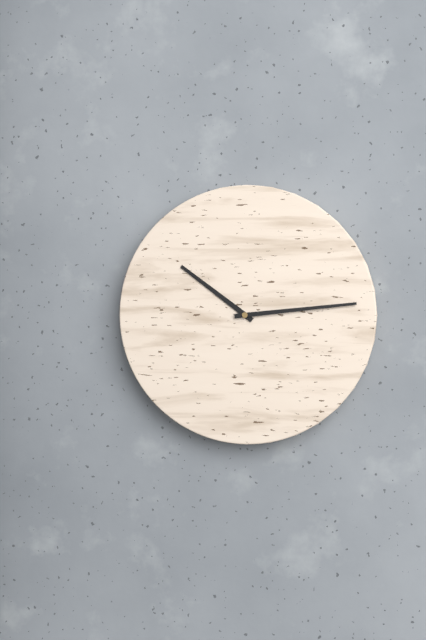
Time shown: {"hour": 10, "minute": 14}
